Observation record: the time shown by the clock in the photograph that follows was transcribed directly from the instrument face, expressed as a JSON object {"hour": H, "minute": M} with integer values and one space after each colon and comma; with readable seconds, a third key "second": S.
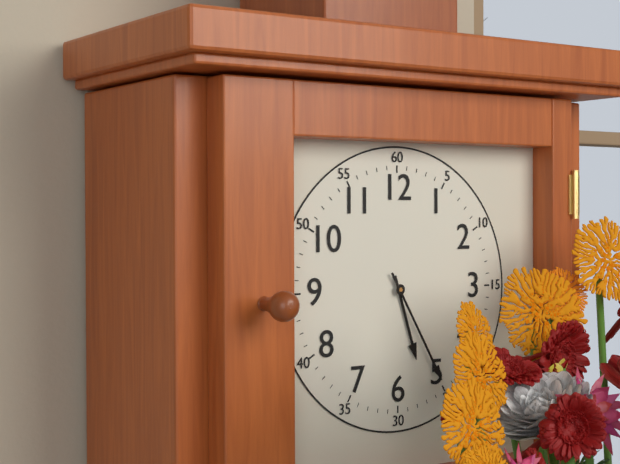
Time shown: {"hour": 5, "minute": 25}
